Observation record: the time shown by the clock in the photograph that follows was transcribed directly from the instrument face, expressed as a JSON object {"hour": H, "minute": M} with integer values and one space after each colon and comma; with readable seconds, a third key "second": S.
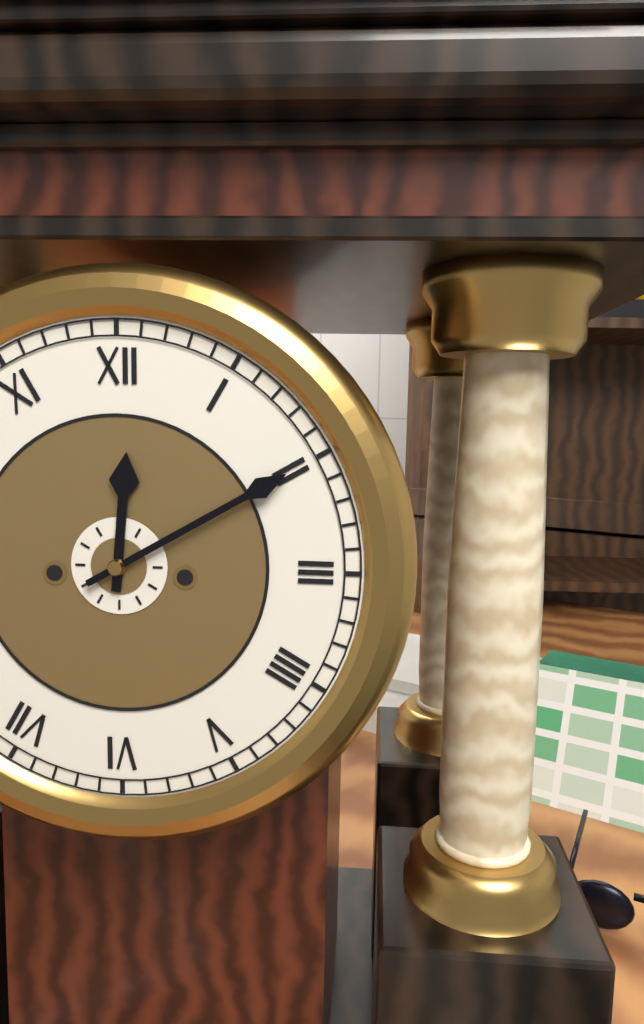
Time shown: {"hour": 12, "minute": 10}
